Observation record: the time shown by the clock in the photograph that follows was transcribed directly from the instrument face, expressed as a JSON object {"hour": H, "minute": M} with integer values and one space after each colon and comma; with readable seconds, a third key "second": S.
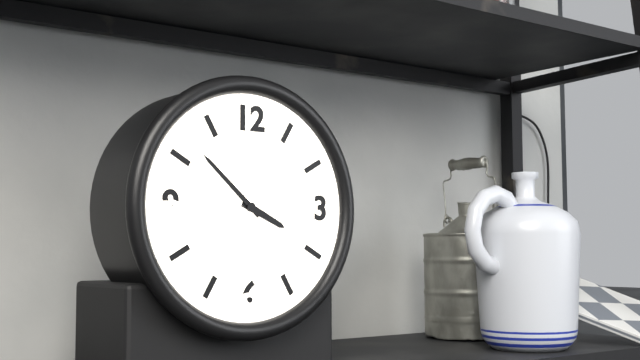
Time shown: {"hour": 3, "minute": 52}
